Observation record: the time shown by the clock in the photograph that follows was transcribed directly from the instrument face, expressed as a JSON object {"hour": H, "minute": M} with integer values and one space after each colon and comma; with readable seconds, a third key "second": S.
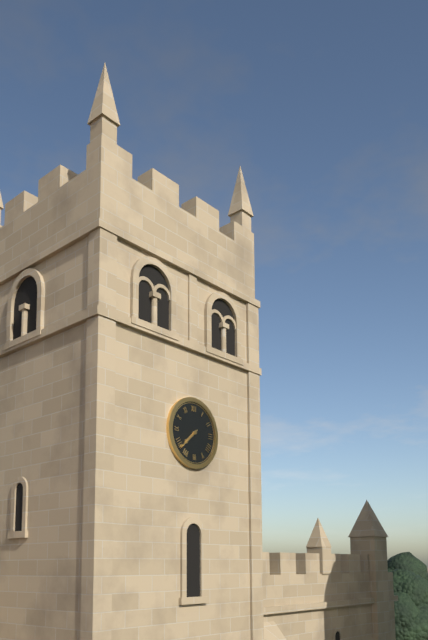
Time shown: {"hour": 7, "minute": 38}
